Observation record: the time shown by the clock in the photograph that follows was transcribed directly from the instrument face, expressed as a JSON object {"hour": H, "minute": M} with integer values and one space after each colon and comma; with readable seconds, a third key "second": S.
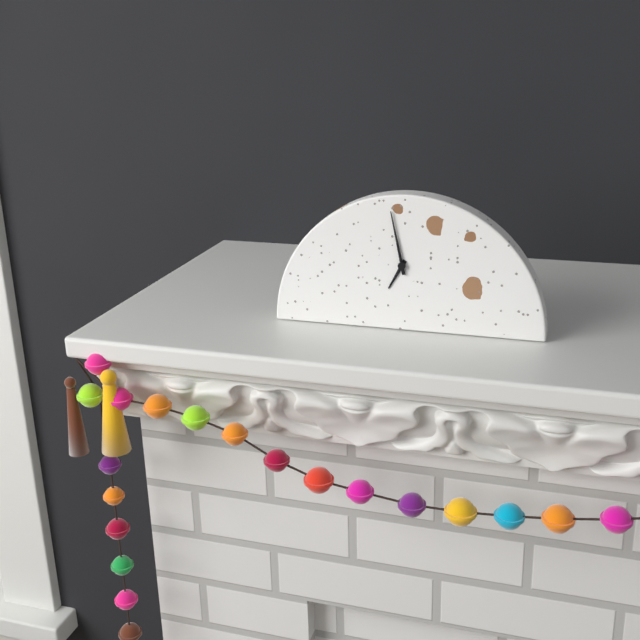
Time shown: {"hour": 6, "minute": 58}
